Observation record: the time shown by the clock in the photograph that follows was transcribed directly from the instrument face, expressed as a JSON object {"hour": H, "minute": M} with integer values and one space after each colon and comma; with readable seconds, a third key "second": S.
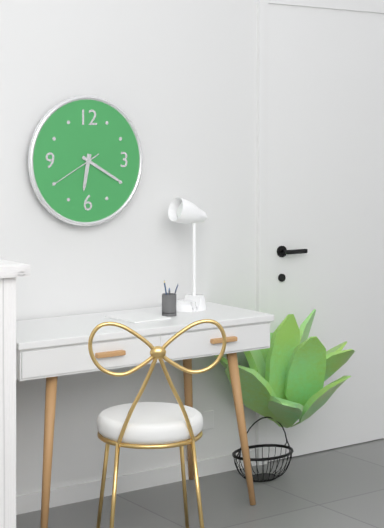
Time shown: {"hour": 6, "minute": 20, "second": 40}
